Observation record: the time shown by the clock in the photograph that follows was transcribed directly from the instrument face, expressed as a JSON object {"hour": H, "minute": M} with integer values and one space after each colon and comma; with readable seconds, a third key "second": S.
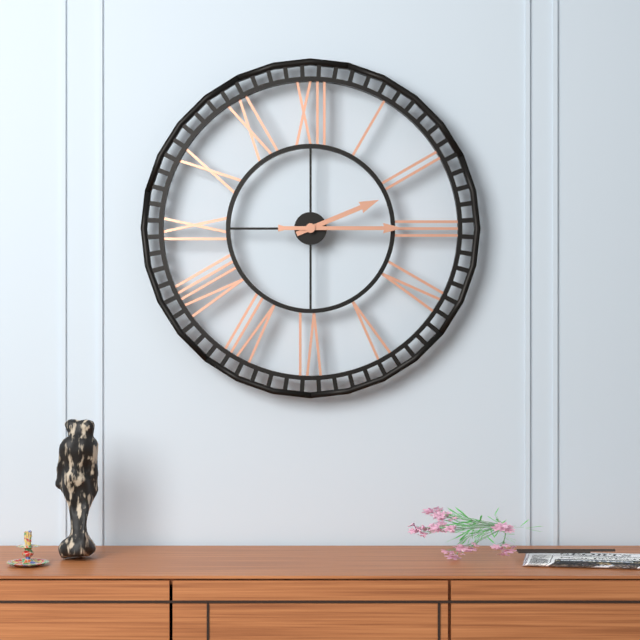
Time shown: {"hour": 2, "minute": 15}
